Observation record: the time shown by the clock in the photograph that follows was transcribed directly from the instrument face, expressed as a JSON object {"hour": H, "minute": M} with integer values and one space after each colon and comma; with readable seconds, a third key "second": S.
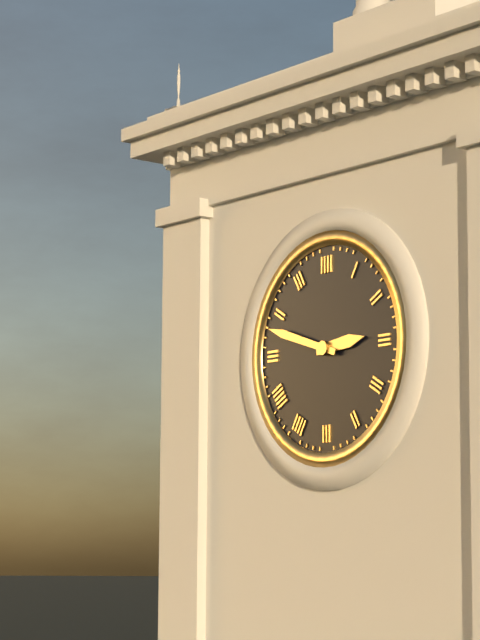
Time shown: {"hour": 2, "minute": 48}
